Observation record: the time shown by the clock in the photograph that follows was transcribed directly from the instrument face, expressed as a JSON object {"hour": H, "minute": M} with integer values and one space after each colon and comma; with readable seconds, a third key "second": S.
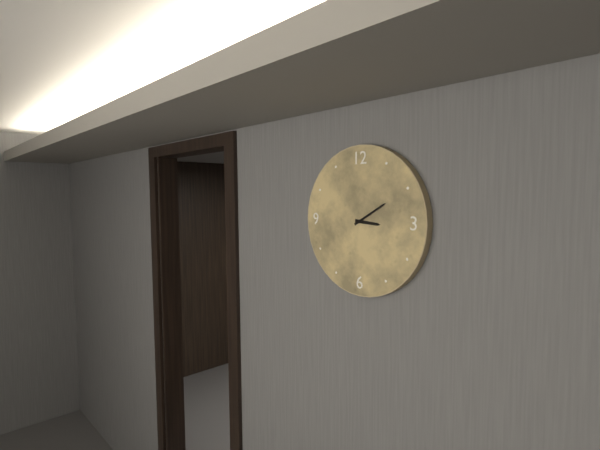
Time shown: {"hour": 3, "minute": 10}
